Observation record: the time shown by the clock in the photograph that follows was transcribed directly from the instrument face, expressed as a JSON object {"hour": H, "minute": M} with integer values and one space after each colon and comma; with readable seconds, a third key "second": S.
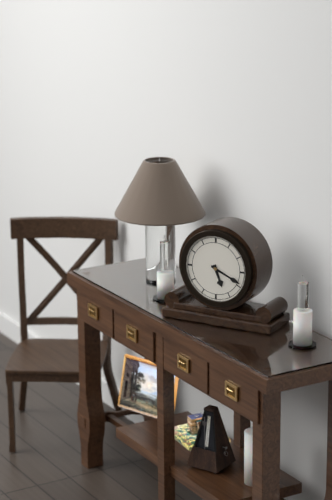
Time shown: {"hour": 5, "minute": 19}
